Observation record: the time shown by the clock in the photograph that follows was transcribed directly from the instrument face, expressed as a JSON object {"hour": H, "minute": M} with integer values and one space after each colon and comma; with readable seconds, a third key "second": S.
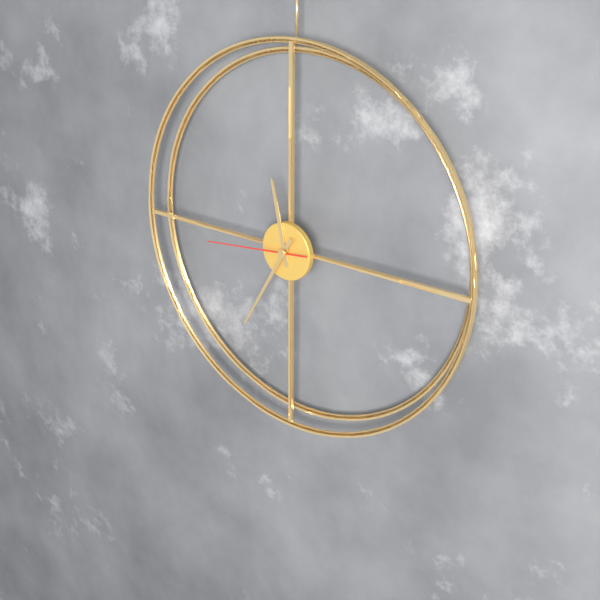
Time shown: {"hour": 11, "minute": 35, "second": 44}
